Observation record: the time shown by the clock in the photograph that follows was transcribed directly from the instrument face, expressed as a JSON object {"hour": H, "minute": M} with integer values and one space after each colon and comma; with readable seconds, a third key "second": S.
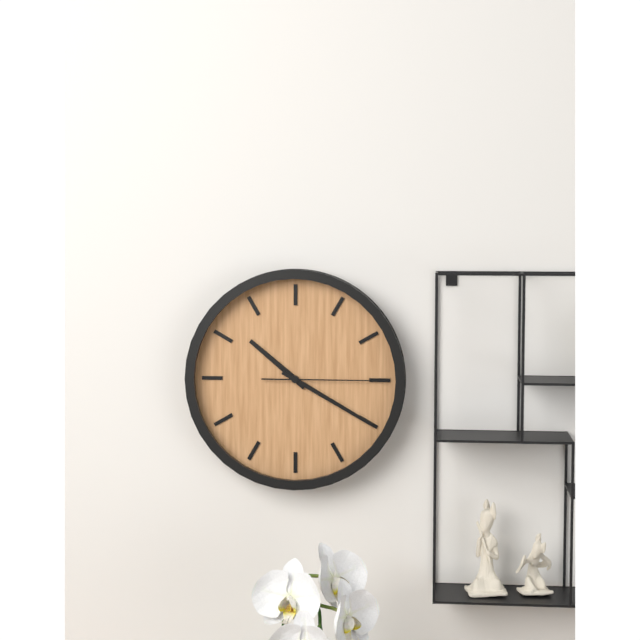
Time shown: {"hour": 10, "minute": 20, "second": 15}
